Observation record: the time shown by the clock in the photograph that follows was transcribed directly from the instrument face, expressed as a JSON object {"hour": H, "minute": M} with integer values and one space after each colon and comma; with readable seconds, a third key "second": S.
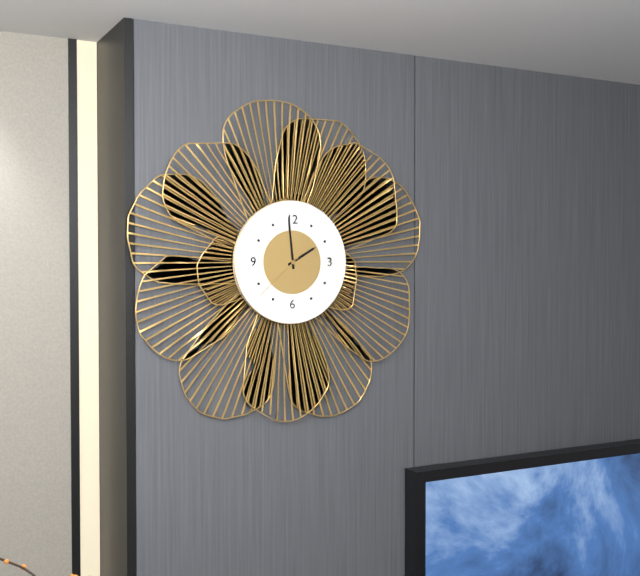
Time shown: {"hour": 1, "minute": 59, "second": 38}
